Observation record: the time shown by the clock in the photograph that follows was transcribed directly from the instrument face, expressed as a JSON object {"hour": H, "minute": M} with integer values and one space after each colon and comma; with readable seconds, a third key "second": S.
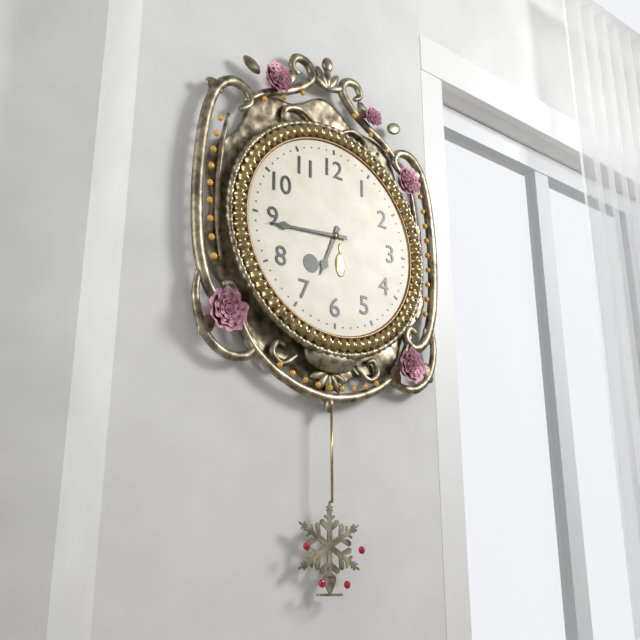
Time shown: {"hour": 6, "minute": 44}
